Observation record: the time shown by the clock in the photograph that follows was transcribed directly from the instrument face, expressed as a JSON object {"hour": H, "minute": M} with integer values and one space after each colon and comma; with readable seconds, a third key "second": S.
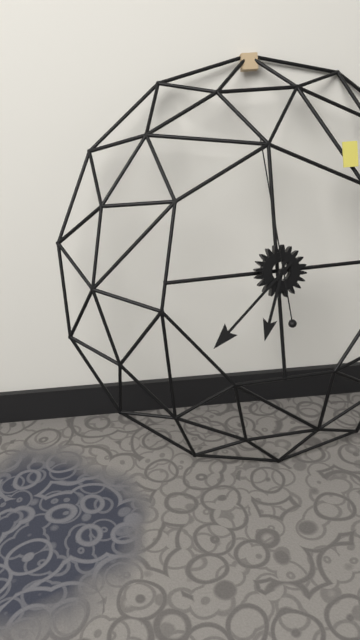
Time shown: {"hour": 6, "minute": 38, "second": 59}
